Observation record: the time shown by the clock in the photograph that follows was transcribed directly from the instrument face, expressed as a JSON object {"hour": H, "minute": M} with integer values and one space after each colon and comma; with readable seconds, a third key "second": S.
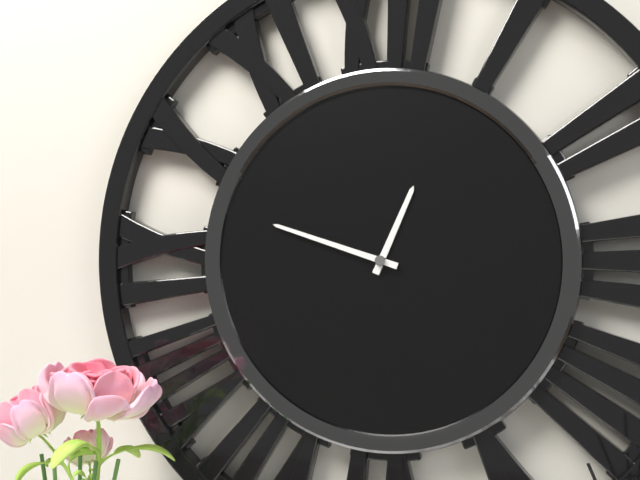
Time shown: {"hour": 12, "minute": 48}
